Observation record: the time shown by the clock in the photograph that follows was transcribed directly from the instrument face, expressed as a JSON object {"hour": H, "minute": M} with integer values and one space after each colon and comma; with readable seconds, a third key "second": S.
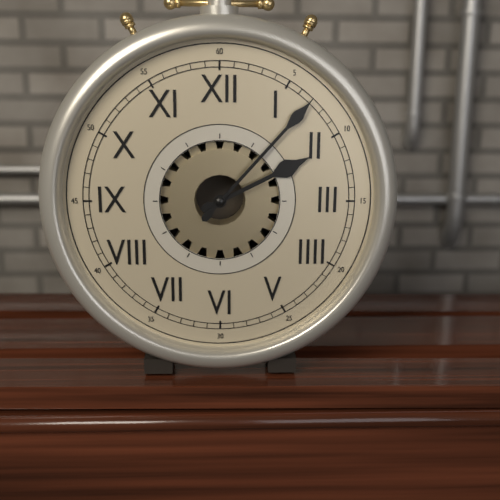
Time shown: {"hour": 2, "minute": 7}
